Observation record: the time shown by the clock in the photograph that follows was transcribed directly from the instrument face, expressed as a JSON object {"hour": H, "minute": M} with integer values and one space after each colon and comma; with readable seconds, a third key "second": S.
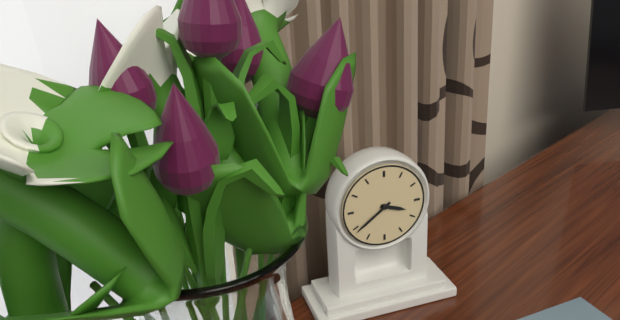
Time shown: {"hour": 3, "minute": 39}
